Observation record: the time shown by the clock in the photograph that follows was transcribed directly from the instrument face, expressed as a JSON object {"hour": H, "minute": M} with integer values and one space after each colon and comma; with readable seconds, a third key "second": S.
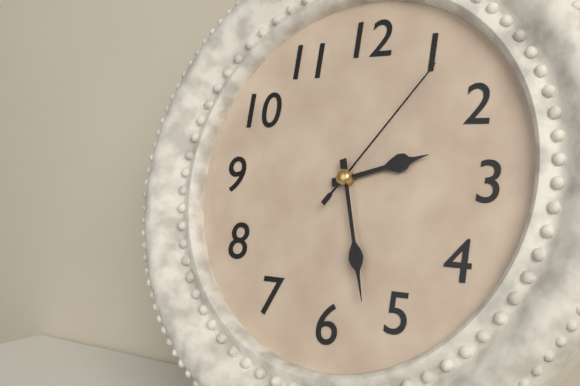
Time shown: {"hour": 2, "minute": 27, "second": 6}
